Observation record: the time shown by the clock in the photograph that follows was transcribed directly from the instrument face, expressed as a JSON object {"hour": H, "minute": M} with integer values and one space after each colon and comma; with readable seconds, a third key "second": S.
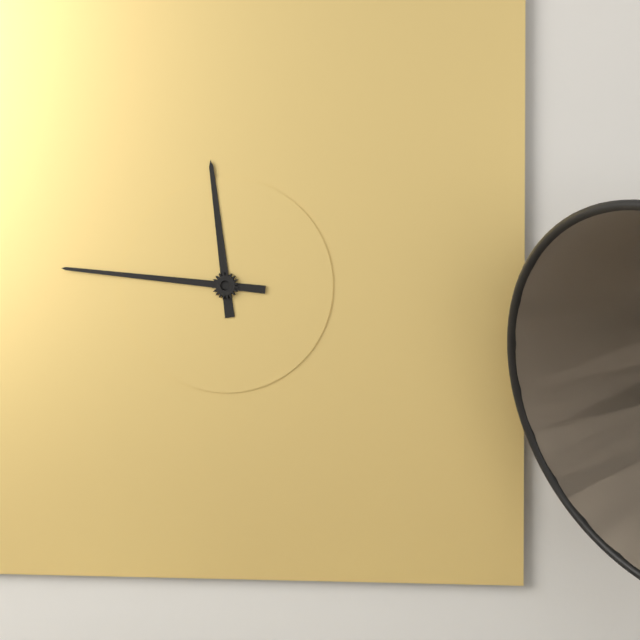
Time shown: {"hour": 11, "minute": 46}
